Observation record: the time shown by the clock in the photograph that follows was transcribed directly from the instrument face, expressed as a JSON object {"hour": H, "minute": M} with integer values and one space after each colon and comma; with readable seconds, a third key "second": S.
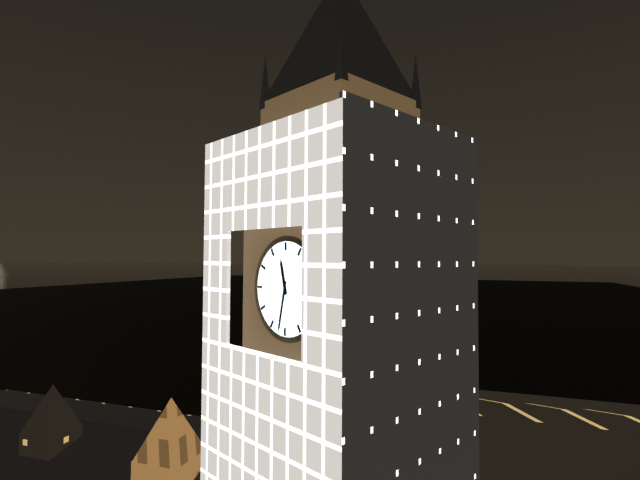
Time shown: {"hour": 11, "minute": 32}
